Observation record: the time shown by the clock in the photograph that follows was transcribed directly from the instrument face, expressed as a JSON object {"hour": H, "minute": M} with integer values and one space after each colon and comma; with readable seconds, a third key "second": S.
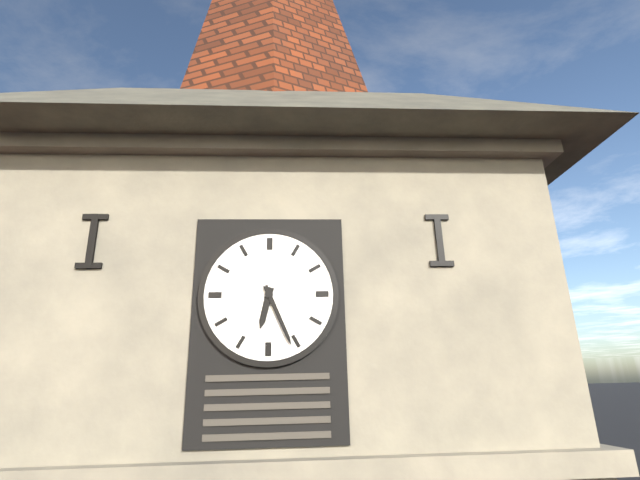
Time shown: {"hour": 6, "minute": 26}
